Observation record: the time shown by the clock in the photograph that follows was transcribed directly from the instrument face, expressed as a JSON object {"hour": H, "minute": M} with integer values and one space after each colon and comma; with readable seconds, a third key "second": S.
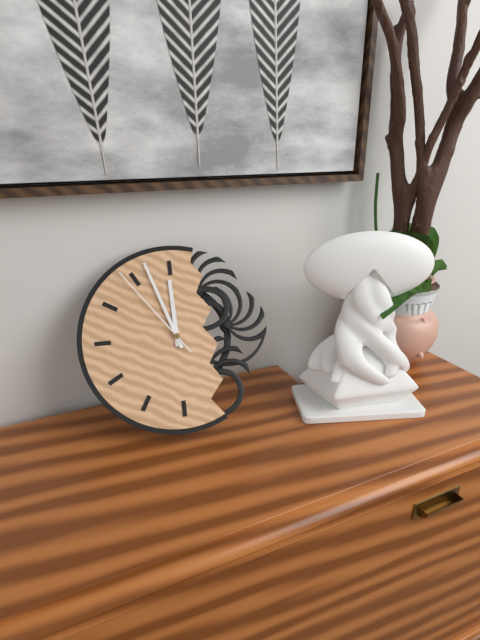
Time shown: {"hour": 11, "minute": 57, "second": 54}
